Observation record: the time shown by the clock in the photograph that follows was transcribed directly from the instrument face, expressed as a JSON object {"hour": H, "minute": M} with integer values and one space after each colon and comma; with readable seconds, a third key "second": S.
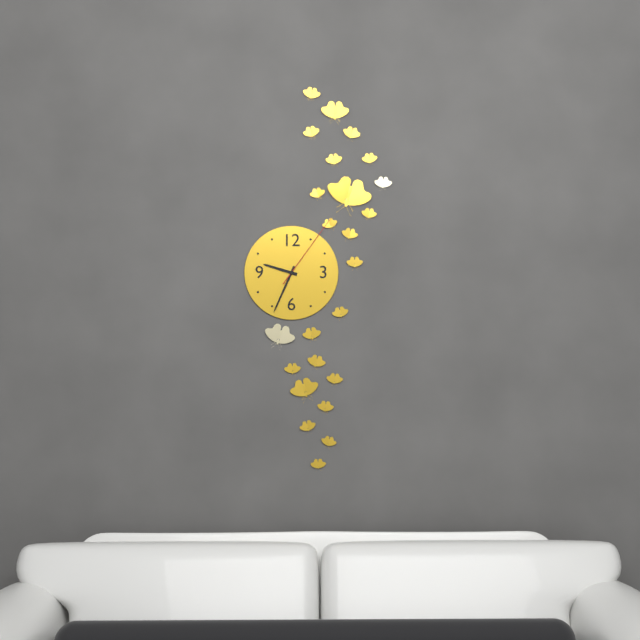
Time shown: {"hour": 9, "minute": 34, "second": 6}
